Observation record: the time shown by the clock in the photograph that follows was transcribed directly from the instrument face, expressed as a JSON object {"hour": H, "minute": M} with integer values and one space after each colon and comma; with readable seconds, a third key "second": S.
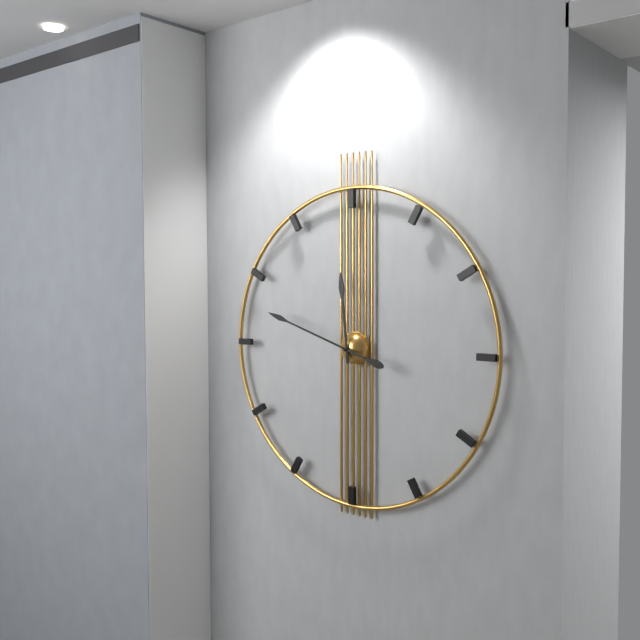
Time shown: {"hour": 11, "minute": 48}
